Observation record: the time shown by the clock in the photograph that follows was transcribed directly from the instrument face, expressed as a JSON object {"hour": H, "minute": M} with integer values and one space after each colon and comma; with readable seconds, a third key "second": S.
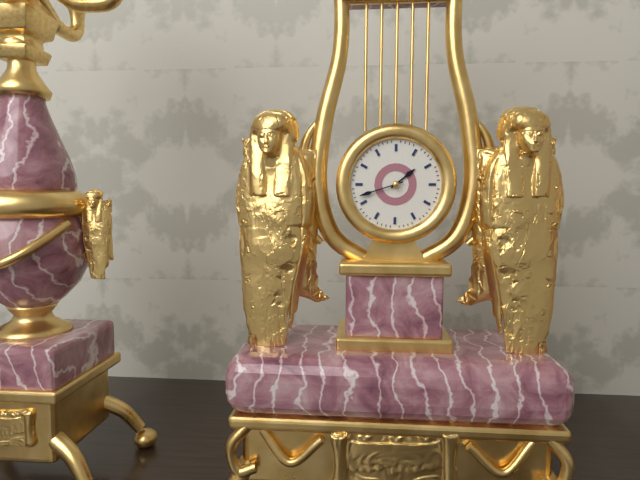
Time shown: {"hour": 1, "minute": 42}
